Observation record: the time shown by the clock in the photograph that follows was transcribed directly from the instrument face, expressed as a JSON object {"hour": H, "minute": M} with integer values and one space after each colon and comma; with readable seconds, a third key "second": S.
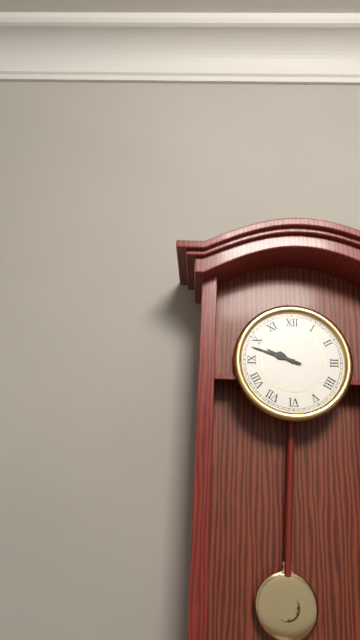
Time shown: {"hour": 9, "minute": 48}
